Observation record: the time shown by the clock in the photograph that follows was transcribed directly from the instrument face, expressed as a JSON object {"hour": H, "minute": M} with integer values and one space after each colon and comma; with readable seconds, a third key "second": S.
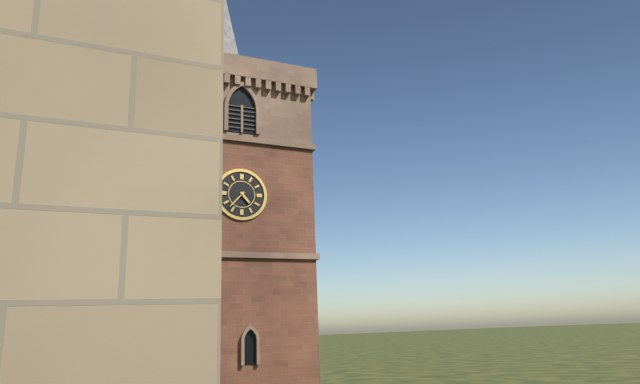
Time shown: {"hour": 4, "minute": 37}
